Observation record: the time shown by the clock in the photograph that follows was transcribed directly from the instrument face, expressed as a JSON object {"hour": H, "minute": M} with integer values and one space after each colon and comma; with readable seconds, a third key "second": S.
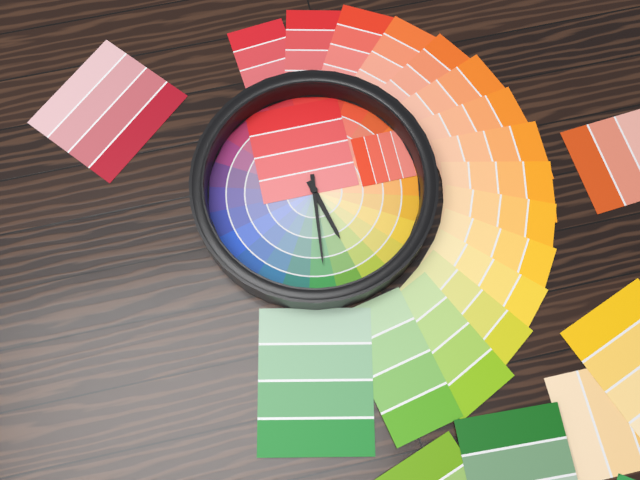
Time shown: {"hour": 5, "minute": 31}
